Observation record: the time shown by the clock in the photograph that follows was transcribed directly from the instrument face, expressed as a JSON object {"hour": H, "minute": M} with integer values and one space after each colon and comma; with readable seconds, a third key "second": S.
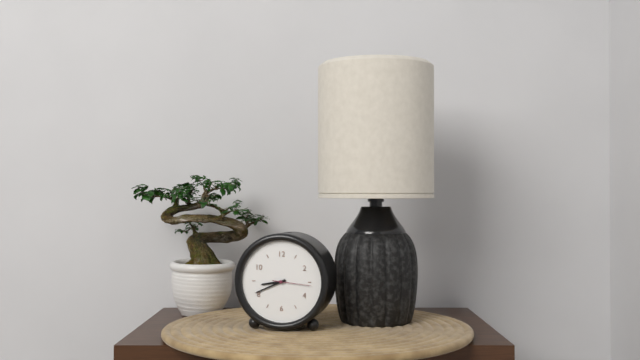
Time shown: {"hour": 8, "minute": 41}
